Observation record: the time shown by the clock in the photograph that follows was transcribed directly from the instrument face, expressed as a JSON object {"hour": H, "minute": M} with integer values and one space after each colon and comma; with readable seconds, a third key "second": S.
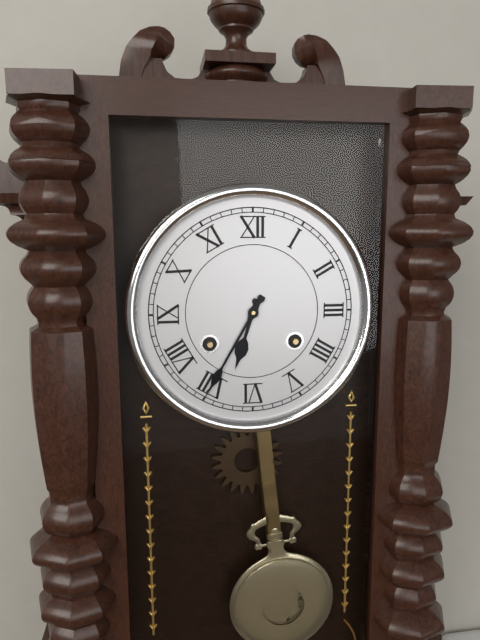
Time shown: {"hour": 6, "minute": 35}
